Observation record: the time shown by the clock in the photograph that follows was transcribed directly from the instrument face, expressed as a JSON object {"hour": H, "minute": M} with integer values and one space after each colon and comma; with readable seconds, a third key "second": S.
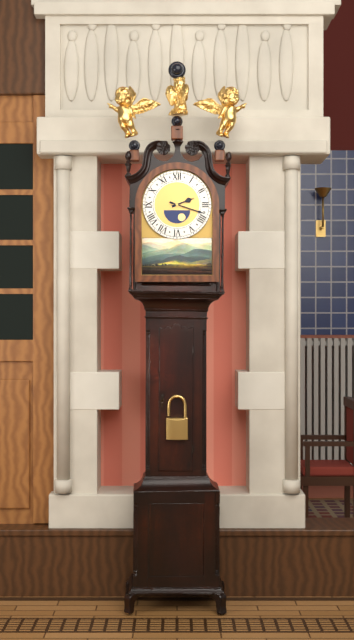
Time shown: {"hour": 2, "minute": 18}
